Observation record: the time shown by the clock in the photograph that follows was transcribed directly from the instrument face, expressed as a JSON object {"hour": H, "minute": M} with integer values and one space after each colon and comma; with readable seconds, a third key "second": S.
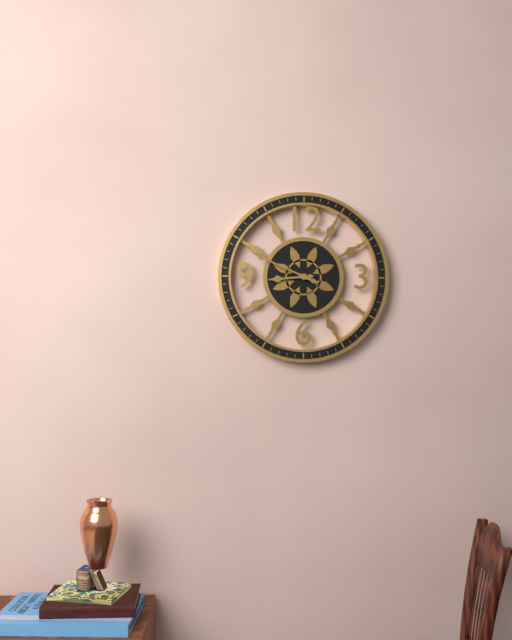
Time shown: {"hour": 8, "minute": 49}
